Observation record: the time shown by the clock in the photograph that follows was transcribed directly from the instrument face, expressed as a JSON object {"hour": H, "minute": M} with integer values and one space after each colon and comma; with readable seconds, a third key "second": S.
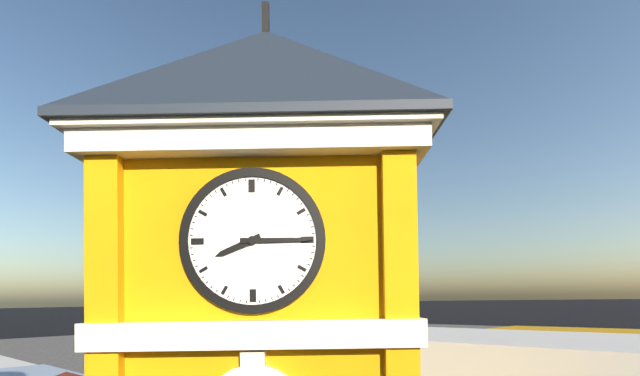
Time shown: {"hour": 8, "minute": 15}
